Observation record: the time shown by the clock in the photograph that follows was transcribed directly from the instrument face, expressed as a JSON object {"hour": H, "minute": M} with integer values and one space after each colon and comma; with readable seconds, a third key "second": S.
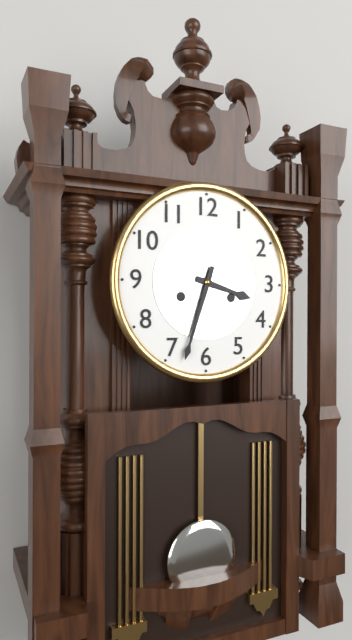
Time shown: {"hour": 3, "minute": 33}
